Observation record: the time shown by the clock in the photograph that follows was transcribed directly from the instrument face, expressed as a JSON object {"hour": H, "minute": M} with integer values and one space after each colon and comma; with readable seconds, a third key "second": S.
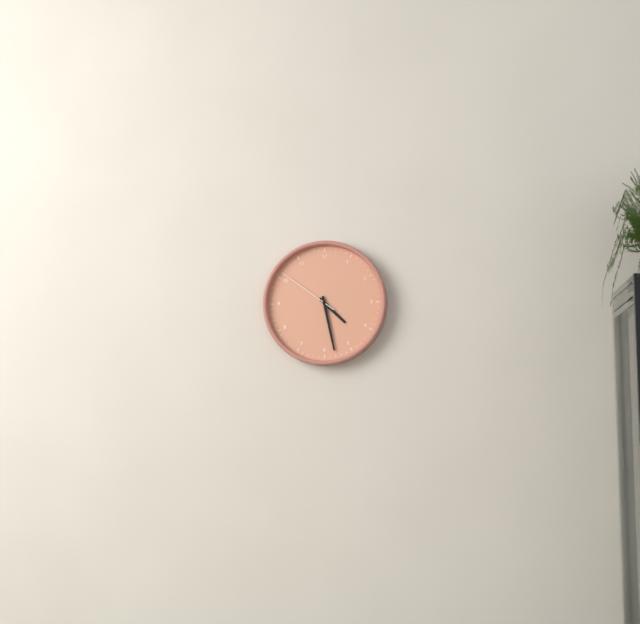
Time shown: {"hour": 4, "minute": 28, "second": 51}
